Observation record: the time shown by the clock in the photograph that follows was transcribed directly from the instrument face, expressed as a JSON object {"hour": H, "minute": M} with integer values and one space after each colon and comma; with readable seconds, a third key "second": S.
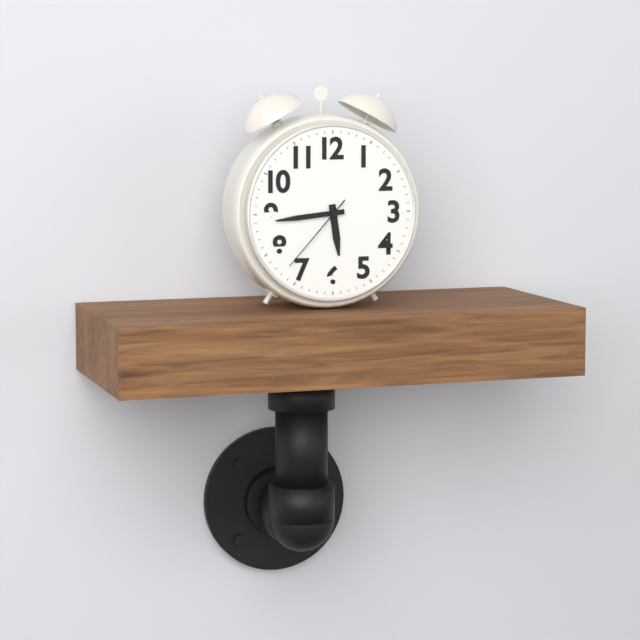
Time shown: {"hour": 5, "minute": 44, "second": 37}
